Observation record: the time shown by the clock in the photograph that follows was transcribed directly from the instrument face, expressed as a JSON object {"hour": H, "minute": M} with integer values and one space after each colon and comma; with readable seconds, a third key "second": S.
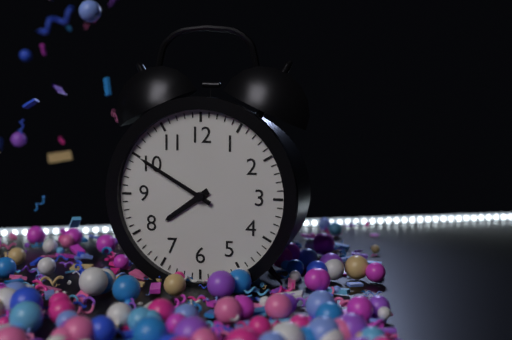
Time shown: {"hour": 7, "minute": 50}
